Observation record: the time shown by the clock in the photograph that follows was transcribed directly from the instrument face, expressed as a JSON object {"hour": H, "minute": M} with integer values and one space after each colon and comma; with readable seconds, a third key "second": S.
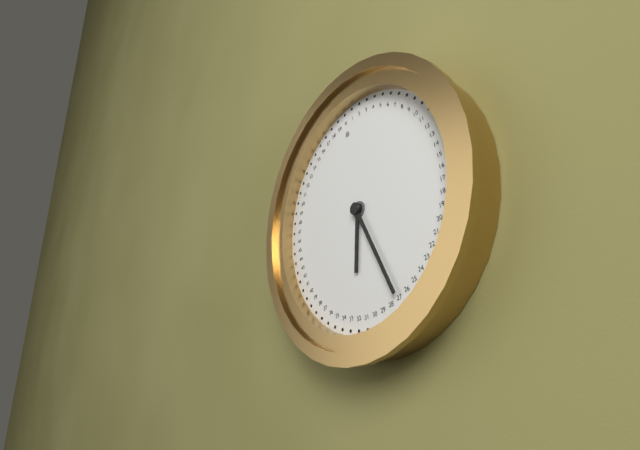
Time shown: {"hour": 6, "minute": 27}
